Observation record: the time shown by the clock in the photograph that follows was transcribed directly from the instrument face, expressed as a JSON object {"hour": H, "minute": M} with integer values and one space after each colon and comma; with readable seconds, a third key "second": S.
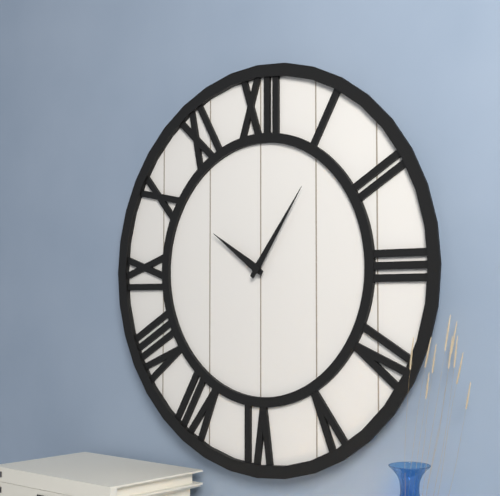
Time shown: {"hour": 10, "minute": 6}
